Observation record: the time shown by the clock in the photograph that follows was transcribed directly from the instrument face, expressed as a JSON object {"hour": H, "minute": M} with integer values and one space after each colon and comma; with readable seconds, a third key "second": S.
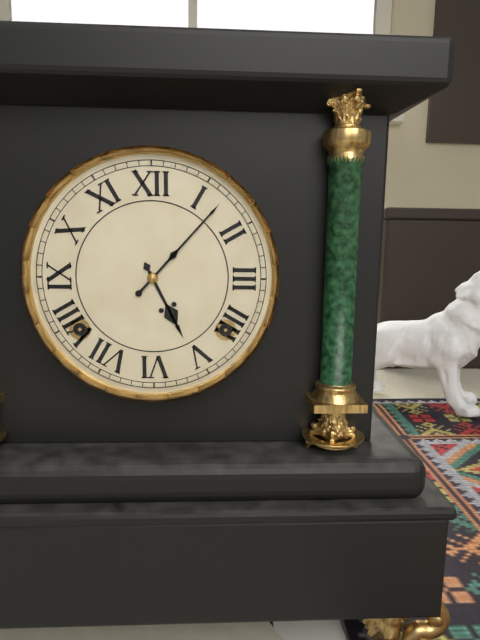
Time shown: {"hour": 5, "minute": 7}
